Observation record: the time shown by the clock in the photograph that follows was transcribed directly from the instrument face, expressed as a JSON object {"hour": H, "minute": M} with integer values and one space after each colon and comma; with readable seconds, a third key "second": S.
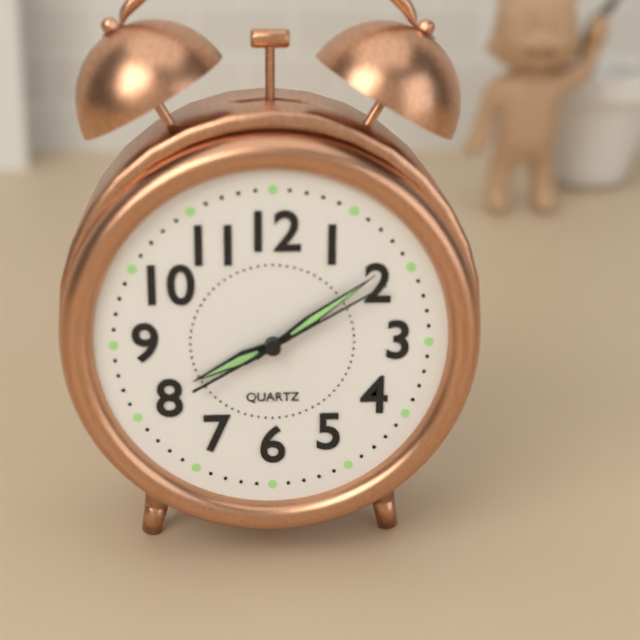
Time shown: {"hour": 8, "minute": 9, "second": 10}
